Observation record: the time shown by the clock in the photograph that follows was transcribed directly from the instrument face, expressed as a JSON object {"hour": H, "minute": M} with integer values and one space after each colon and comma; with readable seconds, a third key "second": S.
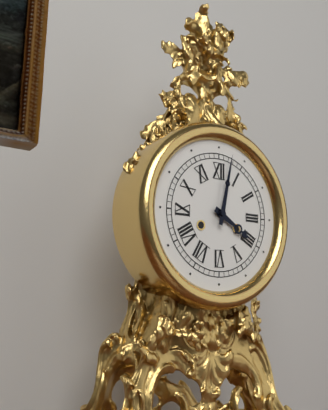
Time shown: {"hour": 4, "minute": 2}
